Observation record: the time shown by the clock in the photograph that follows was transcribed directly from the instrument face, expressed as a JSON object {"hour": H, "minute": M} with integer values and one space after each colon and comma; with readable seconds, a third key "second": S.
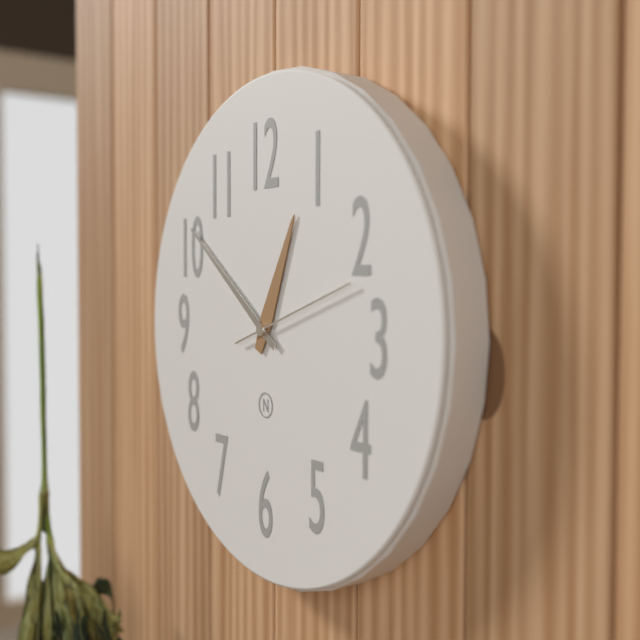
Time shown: {"hour": 12, "minute": 51, "second": 12}
